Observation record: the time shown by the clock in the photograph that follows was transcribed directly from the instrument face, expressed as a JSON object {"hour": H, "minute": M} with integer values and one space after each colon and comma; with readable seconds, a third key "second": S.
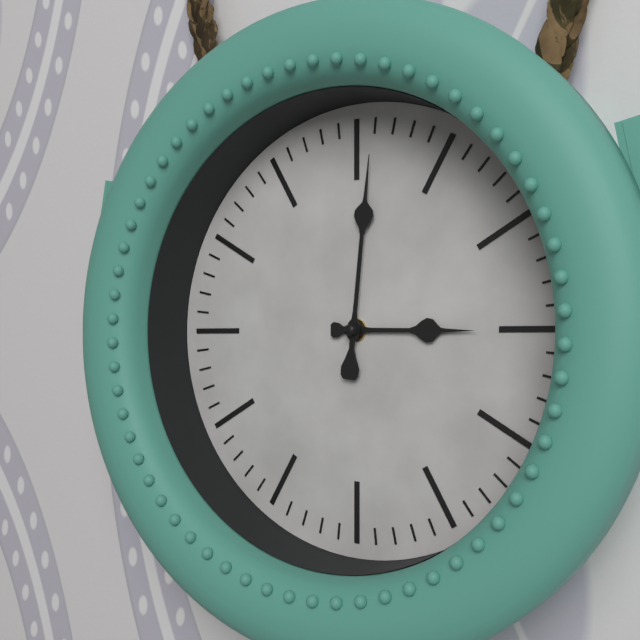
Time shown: {"hour": 3, "minute": 1}
